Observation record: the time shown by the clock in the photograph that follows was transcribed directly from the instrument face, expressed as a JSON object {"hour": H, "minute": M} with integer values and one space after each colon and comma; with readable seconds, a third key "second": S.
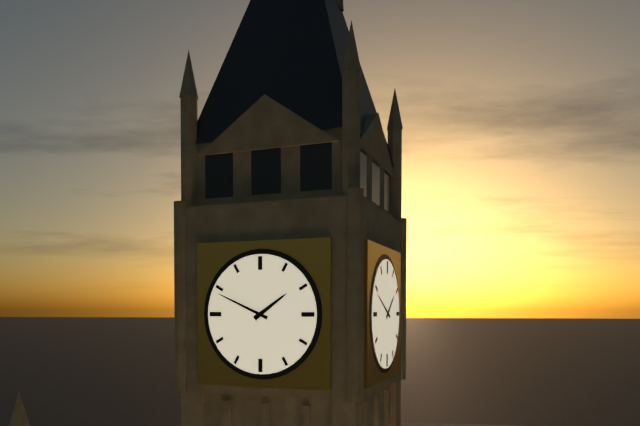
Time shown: {"hour": 1, "minute": 49}
